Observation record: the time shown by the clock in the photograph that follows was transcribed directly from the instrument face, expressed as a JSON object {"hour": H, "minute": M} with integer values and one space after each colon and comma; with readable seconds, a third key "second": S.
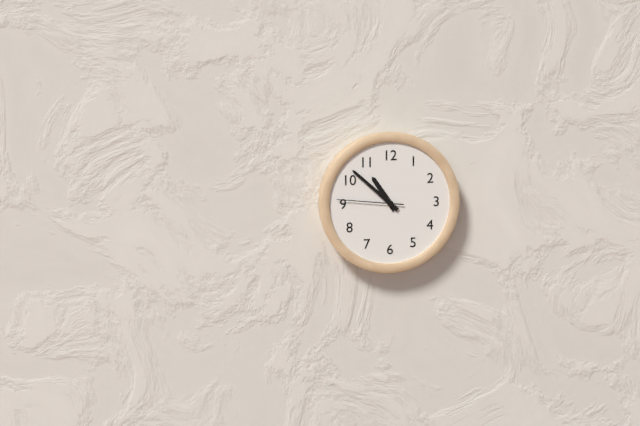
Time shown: {"hour": 10, "minute": 52, "second": 46}
